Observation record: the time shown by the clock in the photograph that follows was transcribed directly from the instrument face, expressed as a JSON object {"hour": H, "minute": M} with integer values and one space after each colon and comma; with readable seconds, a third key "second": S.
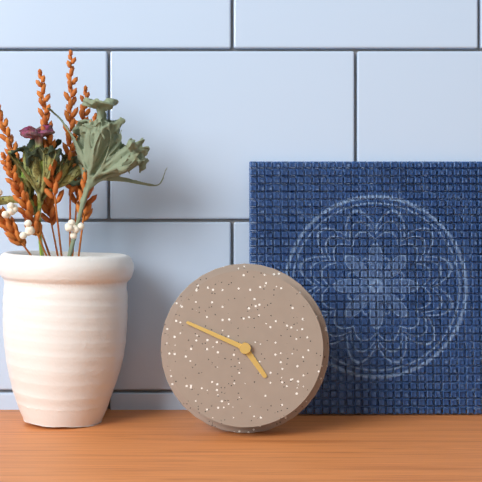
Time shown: {"hour": 4, "minute": 49}
